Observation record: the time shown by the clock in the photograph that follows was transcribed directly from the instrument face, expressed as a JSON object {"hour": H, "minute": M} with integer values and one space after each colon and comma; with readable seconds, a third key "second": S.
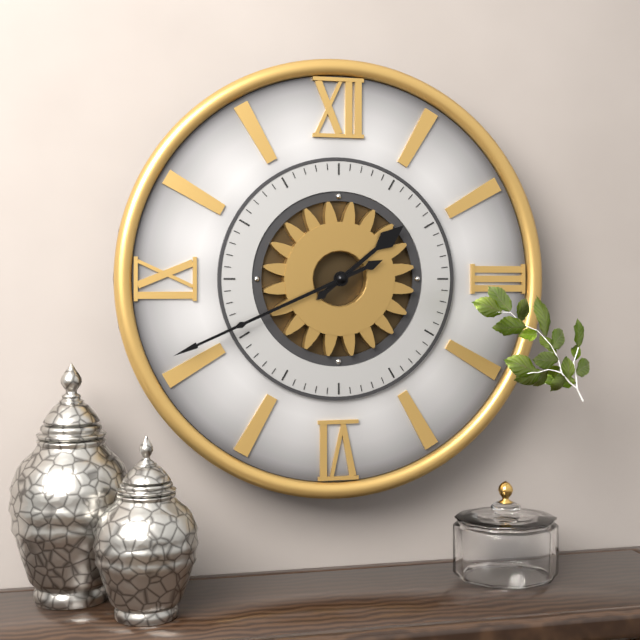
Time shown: {"hour": 1, "minute": 41}
